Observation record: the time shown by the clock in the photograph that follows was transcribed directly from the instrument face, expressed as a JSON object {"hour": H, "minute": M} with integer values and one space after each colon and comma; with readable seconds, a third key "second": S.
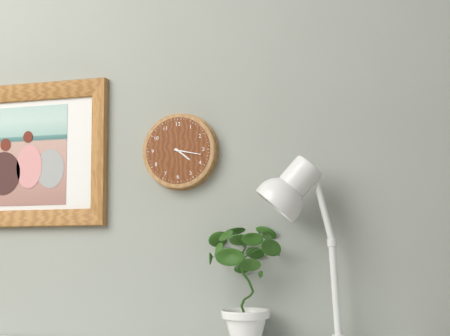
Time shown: {"hour": 4, "minute": 17}
